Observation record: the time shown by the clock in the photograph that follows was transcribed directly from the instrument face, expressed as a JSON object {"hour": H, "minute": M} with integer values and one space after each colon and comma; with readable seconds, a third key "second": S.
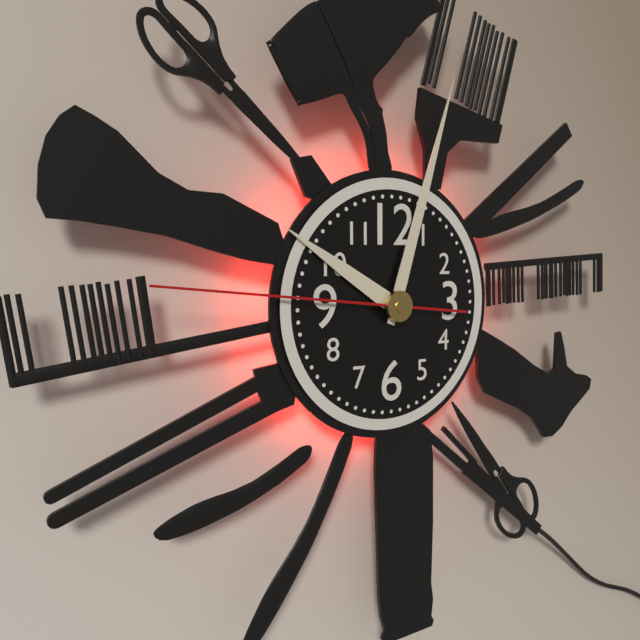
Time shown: {"hour": 10, "minute": 3, "second": 46}
